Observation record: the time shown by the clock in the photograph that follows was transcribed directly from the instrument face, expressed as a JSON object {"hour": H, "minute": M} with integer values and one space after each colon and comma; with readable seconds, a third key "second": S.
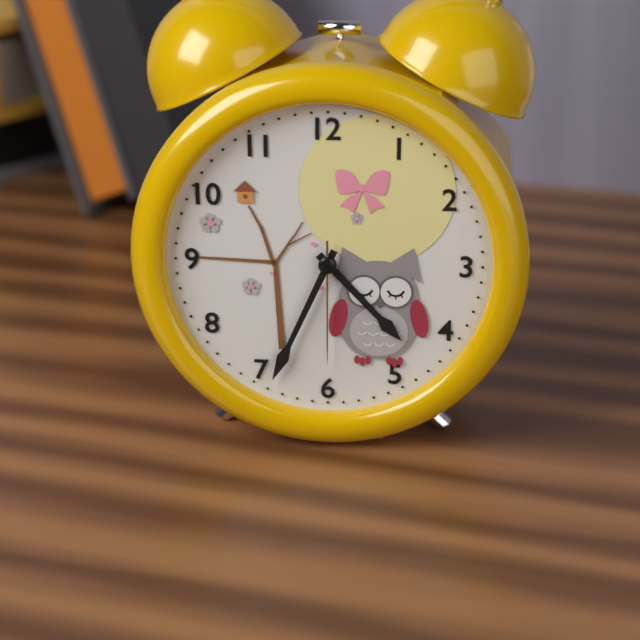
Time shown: {"hour": 4, "minute": 34, "second": 30}
